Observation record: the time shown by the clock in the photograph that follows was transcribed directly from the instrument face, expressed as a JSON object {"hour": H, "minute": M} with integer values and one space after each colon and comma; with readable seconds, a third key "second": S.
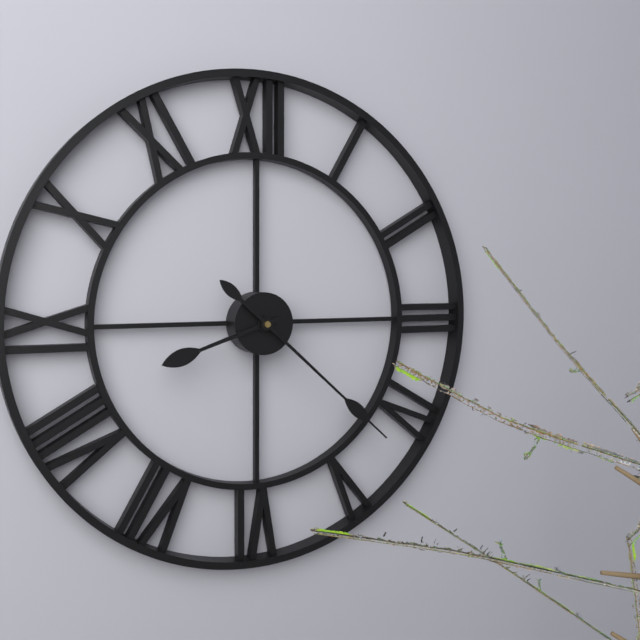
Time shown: {"hour": 8, "minute": 22}
